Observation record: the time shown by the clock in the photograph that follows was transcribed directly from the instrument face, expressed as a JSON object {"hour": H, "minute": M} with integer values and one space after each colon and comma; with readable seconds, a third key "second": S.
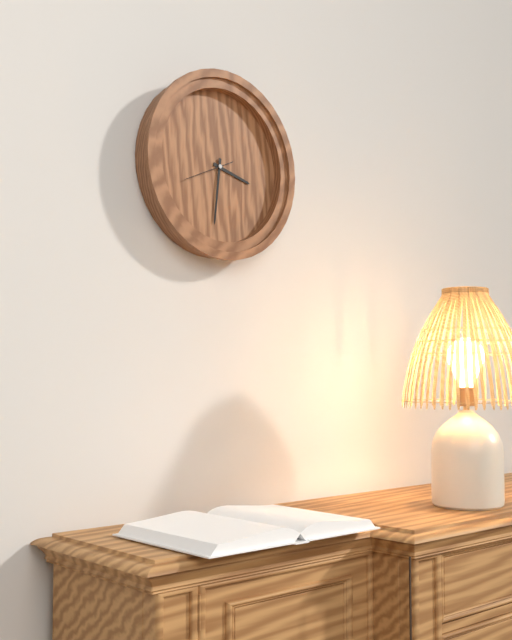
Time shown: {"hour": 3, "minute": 31}
